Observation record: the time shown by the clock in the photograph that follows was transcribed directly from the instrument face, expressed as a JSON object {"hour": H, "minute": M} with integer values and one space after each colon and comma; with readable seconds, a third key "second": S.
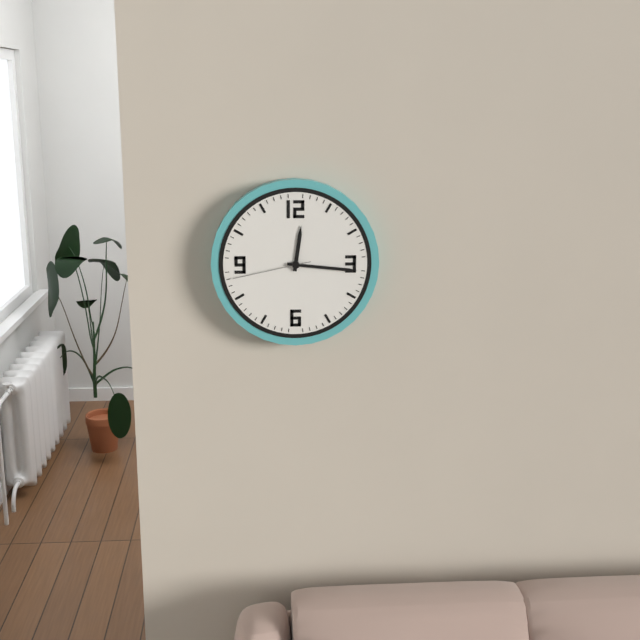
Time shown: {"hour": 12, "minute": 16, "second": 43}
